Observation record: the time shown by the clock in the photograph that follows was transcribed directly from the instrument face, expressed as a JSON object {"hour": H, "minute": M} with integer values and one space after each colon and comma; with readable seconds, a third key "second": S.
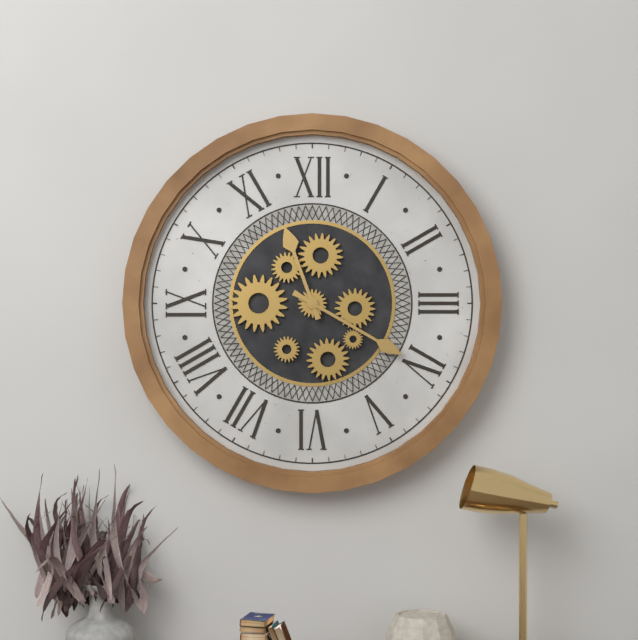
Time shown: {"hour": 11, "minute": 20}
